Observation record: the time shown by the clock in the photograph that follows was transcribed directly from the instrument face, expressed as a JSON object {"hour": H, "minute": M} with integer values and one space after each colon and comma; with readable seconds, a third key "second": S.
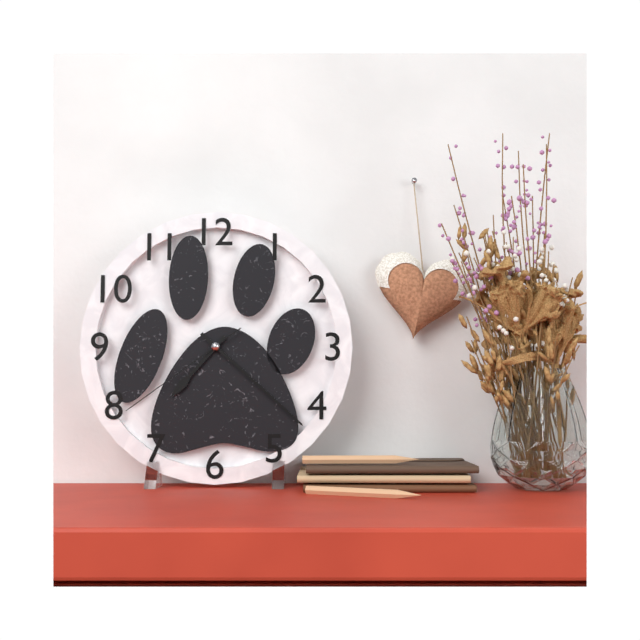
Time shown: {"hour": 7, "minute": 22, "second": 39}
